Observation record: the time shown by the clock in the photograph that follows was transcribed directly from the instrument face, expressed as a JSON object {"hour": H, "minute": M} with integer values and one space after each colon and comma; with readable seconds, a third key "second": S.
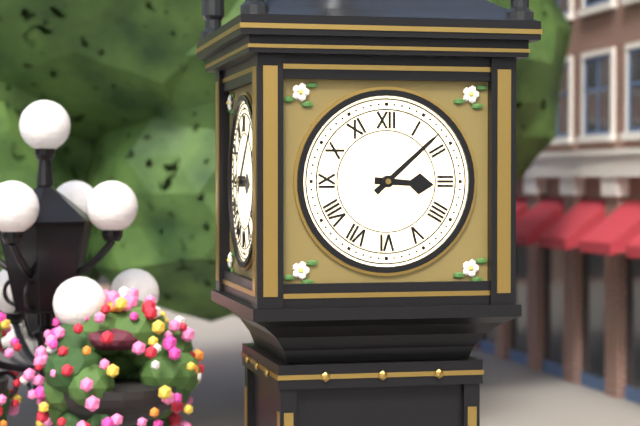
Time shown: {"hour": 3, "minute": 8}
